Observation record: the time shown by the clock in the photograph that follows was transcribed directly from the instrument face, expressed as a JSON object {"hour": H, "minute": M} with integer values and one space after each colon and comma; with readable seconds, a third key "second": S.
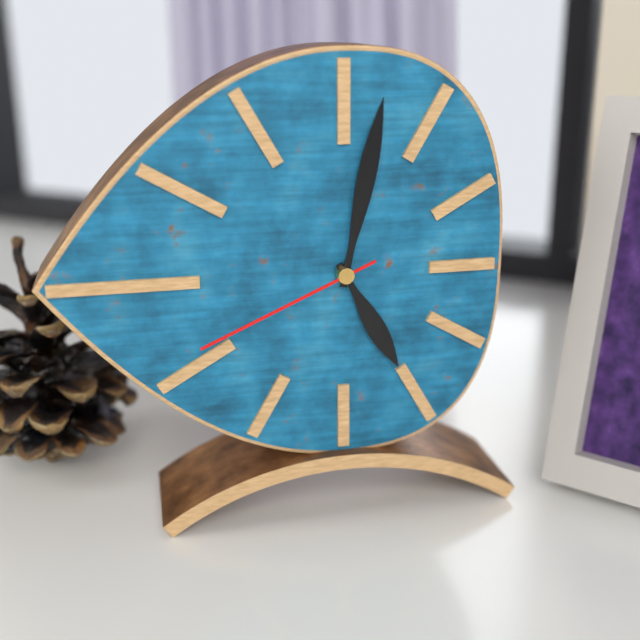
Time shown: {"hour": 5, "minute": 2, "second": 41}
